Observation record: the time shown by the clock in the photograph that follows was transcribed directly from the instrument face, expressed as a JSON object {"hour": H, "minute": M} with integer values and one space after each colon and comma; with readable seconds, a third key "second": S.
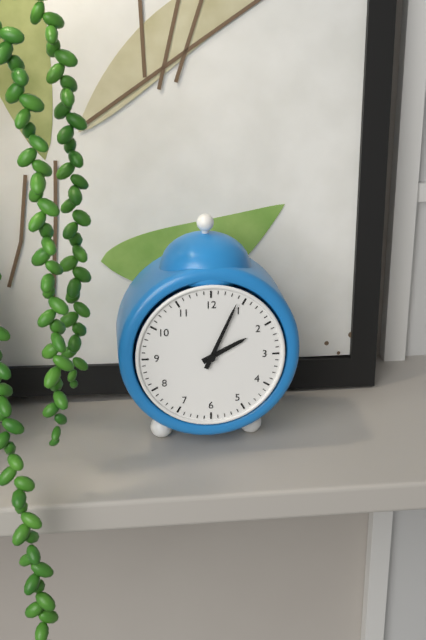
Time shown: {"hour": 2, "minute": 4}
